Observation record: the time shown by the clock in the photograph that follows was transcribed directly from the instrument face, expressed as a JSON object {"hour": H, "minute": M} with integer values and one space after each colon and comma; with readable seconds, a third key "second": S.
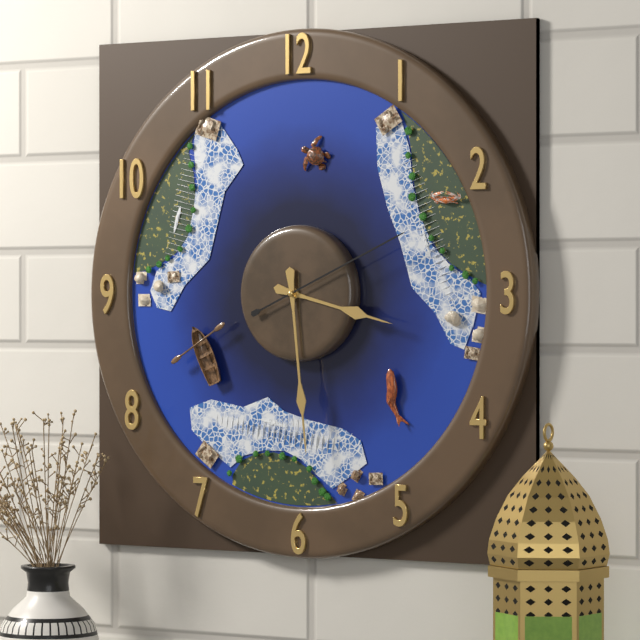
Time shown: {"hour": 3, "minute": 29, "second": 11}
